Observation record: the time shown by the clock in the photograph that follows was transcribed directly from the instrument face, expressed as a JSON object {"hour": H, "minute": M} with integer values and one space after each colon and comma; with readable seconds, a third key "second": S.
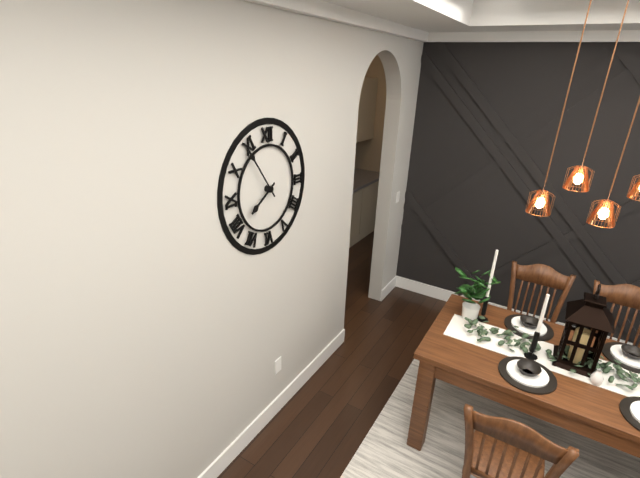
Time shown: {"hour": 7, "minute": 54}
